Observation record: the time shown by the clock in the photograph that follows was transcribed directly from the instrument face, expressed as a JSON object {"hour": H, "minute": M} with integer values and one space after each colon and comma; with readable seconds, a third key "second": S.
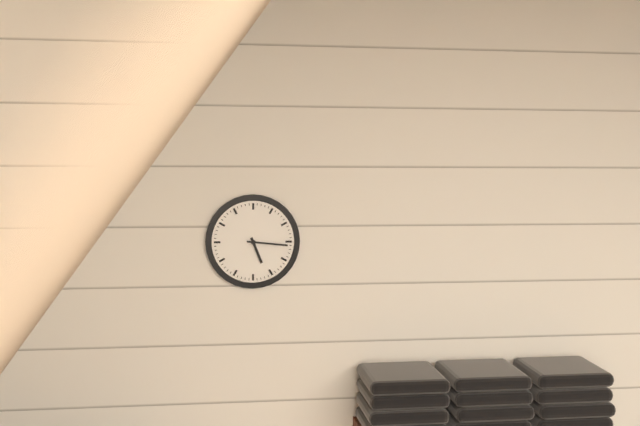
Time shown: {"hour": 5, "minute": 16}
